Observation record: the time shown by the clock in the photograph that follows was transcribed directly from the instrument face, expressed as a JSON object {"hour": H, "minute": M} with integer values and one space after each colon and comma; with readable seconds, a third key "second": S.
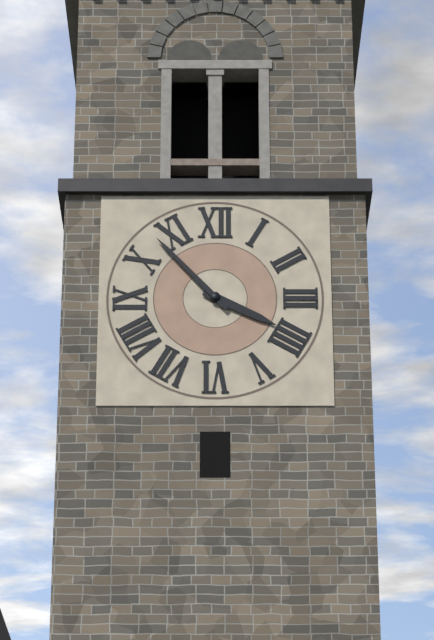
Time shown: {"hour": 3, "minute": 53}
